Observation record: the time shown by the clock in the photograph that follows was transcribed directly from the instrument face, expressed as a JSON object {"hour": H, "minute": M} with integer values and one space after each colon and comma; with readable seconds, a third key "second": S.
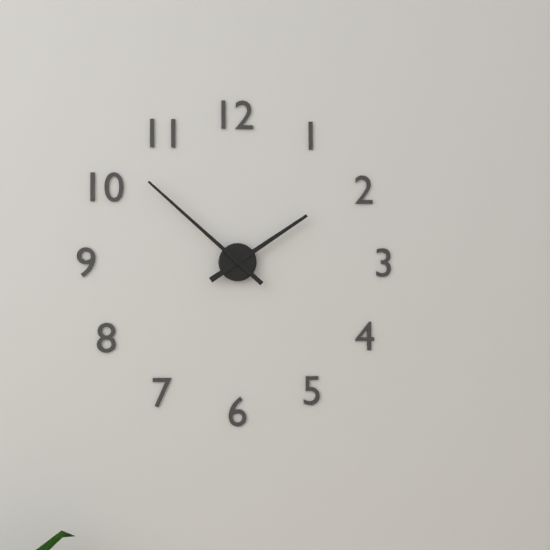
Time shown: {"hour": 1, "minute": 52}
